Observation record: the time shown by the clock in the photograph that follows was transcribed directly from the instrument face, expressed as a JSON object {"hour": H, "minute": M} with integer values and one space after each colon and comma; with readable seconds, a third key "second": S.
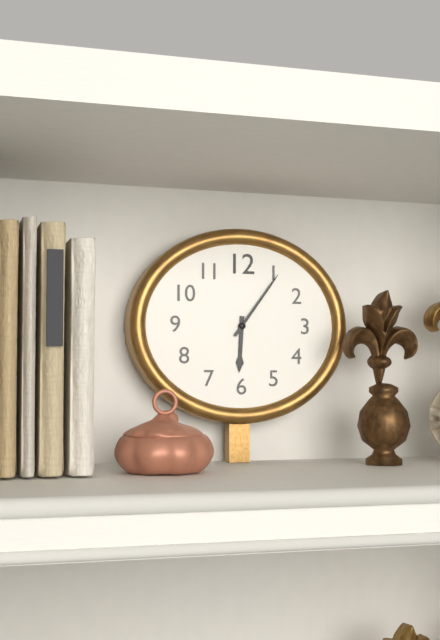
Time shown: {"hour": 6, "minute": 6}
